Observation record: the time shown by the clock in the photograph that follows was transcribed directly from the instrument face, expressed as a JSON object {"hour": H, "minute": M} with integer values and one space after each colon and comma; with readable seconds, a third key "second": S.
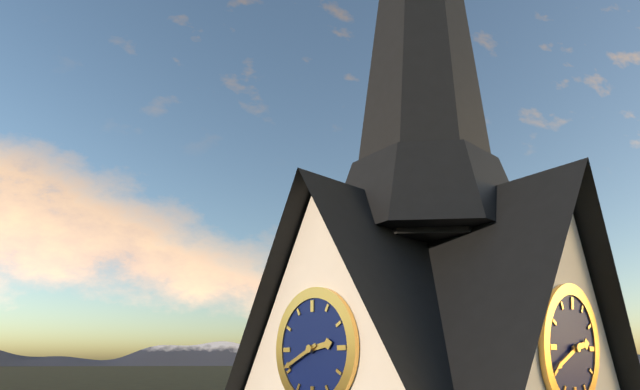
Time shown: {"hour": 2, "minute": 41}
